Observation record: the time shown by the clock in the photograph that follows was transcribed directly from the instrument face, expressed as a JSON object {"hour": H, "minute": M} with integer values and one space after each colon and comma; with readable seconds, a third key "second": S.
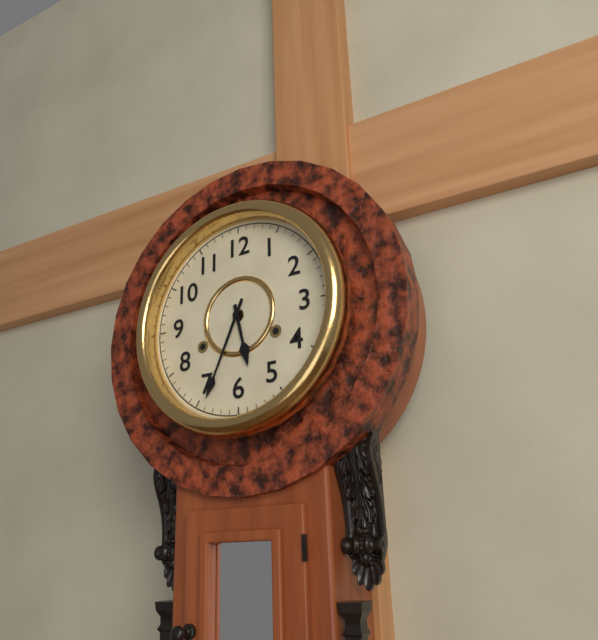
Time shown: {"hour": 5, "minute": 34}
